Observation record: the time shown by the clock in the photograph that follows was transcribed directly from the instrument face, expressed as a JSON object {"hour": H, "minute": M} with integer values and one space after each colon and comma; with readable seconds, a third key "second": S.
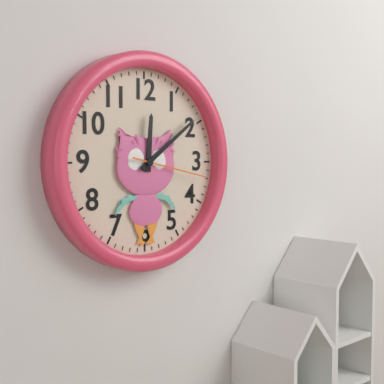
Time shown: {"hour": 12, "minute": 9, "second": 17}
